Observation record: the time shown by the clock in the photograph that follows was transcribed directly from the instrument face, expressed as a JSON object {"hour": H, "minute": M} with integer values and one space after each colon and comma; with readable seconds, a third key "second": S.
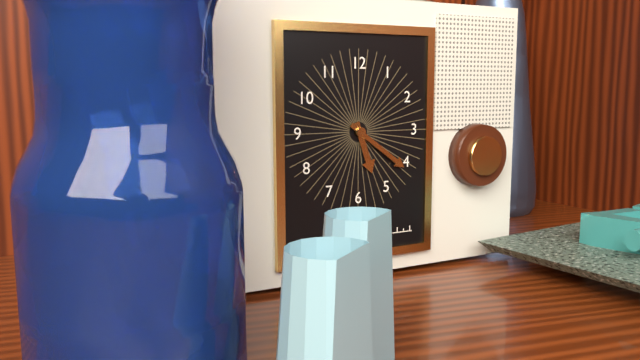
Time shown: {"hour": 5, "minute": 21}
